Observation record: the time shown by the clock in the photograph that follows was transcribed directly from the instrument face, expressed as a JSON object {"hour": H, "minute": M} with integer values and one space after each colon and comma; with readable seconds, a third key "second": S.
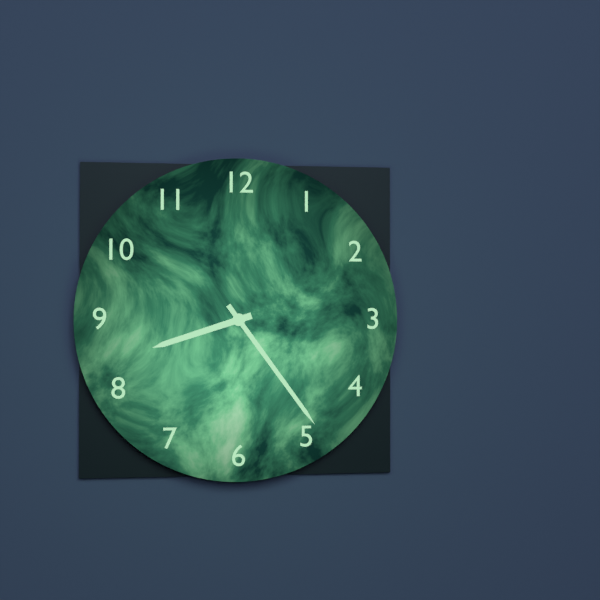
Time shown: {"hour": 8, "minute": 24}
